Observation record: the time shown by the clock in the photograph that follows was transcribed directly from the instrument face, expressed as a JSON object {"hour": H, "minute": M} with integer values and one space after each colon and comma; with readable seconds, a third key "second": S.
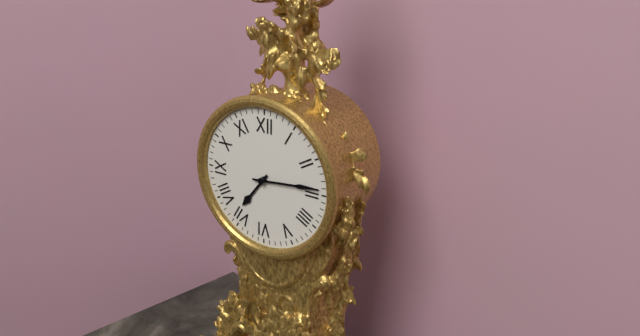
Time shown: {"hour": 7, "minute": 14}
